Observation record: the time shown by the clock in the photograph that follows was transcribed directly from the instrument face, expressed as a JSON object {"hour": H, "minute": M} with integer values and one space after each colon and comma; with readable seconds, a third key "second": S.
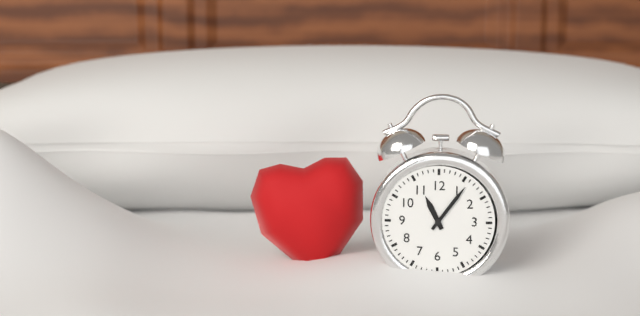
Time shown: {"hour": 11, "minute": 6}
